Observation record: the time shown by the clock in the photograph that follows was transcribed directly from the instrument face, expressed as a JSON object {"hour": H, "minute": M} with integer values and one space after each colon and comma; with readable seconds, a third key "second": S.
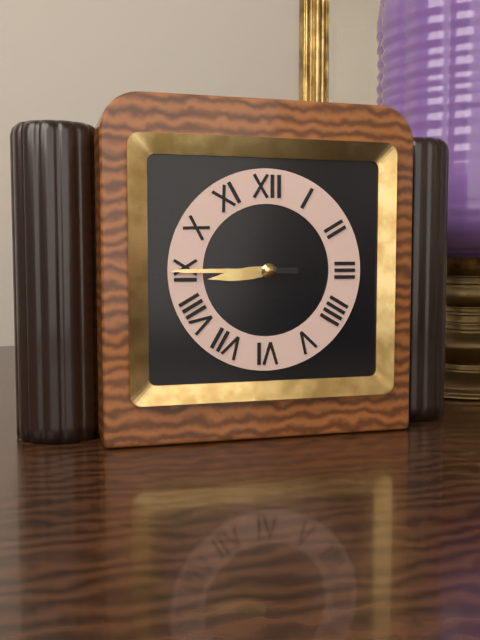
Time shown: {"hour": 8, "minute": 45}
